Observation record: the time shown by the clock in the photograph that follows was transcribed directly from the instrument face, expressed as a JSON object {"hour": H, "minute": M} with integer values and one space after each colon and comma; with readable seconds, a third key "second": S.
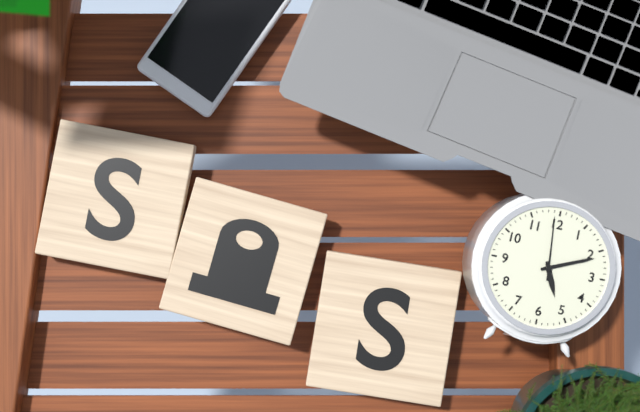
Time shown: {"hour": 5, "minute": 11, "second": 59}
